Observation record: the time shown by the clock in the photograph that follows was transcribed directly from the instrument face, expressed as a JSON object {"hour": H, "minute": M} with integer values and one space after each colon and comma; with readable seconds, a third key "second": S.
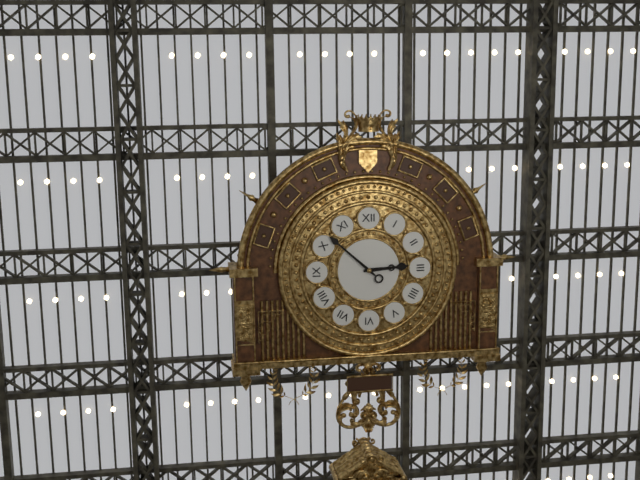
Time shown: {"hour": 2, "minute": 52}
